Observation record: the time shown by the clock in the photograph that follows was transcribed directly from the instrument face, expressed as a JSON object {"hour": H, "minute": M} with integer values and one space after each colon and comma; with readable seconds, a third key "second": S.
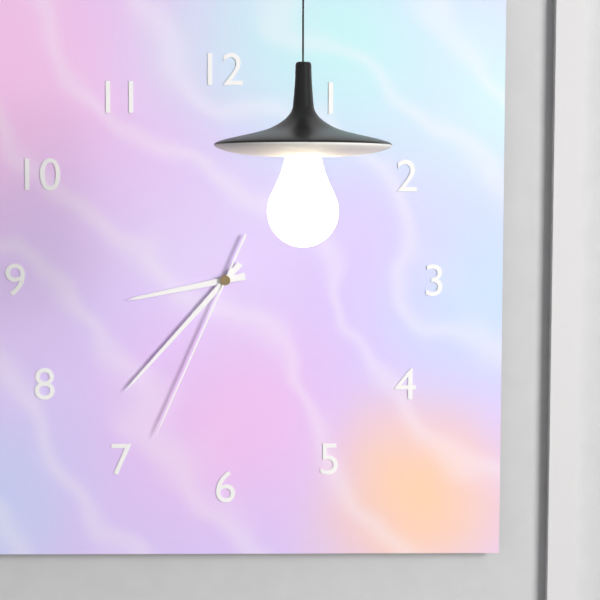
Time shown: {"hour": 8, "minute": 37, "second": 34}
